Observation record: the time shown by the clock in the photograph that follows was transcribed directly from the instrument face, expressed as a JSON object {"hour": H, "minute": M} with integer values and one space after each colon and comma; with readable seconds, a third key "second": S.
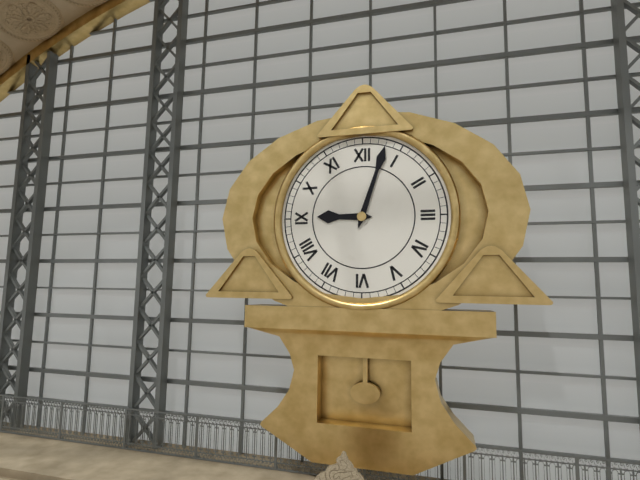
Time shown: {"hour": 9, "minute": 3}
